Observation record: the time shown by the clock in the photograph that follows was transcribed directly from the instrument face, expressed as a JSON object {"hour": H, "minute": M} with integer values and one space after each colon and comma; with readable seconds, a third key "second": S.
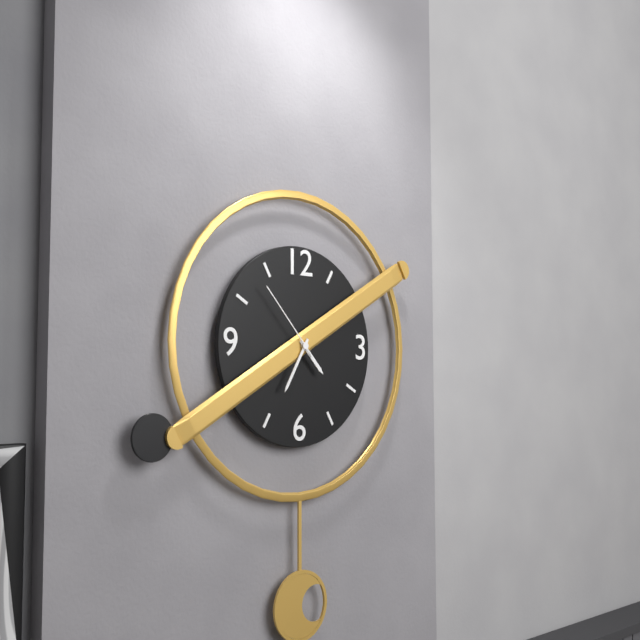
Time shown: {"hour": 4, "minute": 35, "second": 53}
